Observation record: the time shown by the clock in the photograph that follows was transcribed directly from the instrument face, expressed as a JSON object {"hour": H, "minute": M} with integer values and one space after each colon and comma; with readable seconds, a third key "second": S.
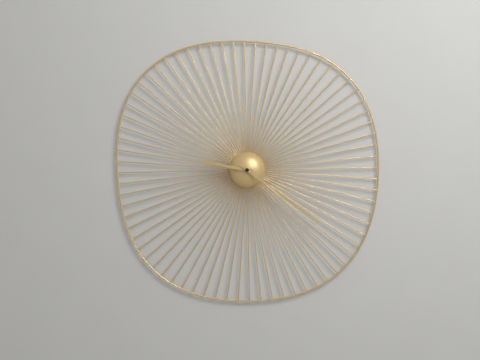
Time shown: {"hour": 9, "minute": 21}
